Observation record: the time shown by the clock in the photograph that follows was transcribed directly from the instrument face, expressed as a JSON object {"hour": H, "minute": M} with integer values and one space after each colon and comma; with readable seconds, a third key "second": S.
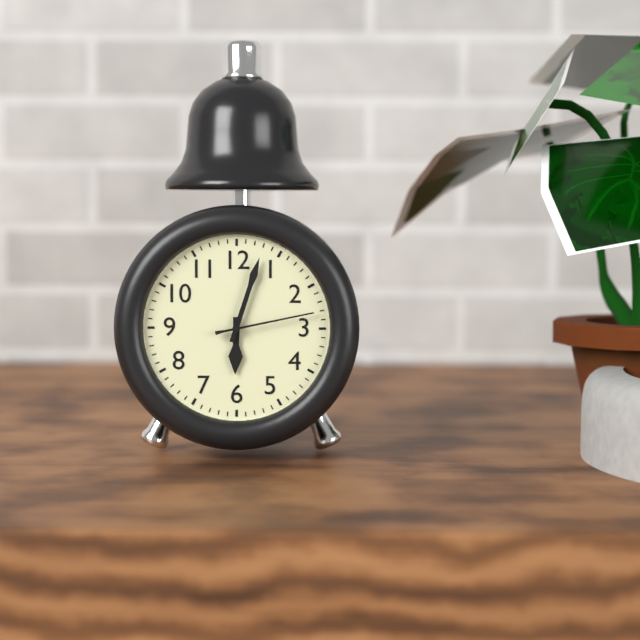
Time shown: {"hour": 6, "minute": 3, "second": 13}
